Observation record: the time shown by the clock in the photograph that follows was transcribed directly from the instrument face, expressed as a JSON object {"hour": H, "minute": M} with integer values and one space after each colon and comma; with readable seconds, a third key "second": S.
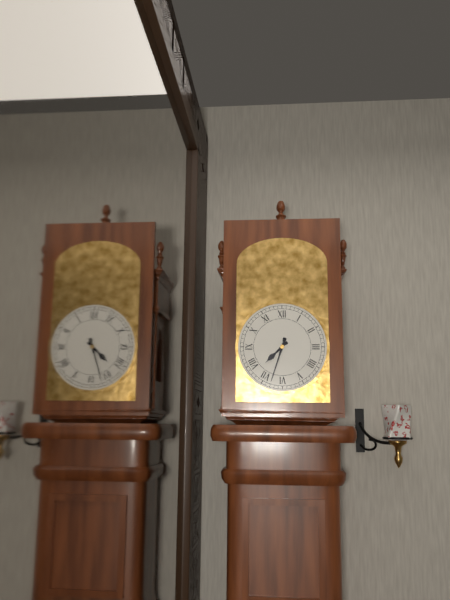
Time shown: {"hour": 7, "minute": 33}
